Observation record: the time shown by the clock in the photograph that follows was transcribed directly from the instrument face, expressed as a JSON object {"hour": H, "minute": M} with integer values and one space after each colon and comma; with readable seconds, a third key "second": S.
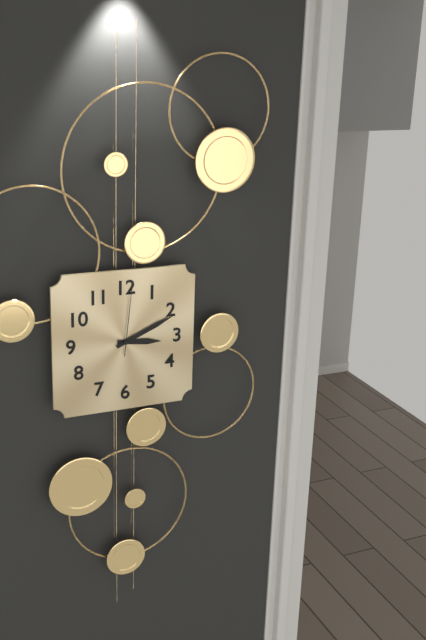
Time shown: {"hour": 3, "minute": 11, "second": 1}
